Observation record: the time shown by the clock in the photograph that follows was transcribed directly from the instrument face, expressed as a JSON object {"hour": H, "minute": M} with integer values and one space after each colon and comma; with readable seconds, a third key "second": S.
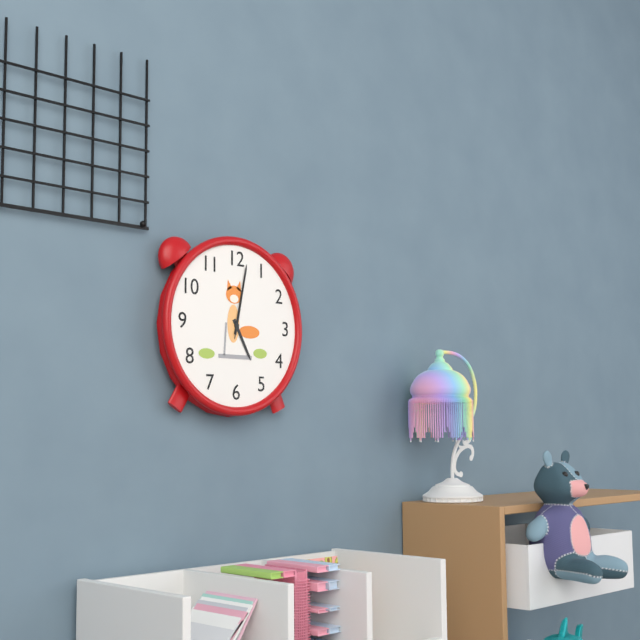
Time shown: {"hour": 5, "minute": 2, "second": 2}
